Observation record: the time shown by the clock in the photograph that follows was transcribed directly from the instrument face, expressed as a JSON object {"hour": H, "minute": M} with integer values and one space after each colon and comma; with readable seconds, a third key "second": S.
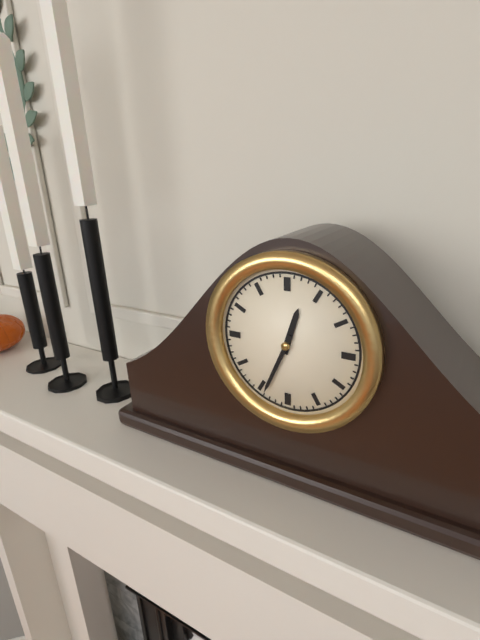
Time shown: {"hour": 12, "minute": 34}
